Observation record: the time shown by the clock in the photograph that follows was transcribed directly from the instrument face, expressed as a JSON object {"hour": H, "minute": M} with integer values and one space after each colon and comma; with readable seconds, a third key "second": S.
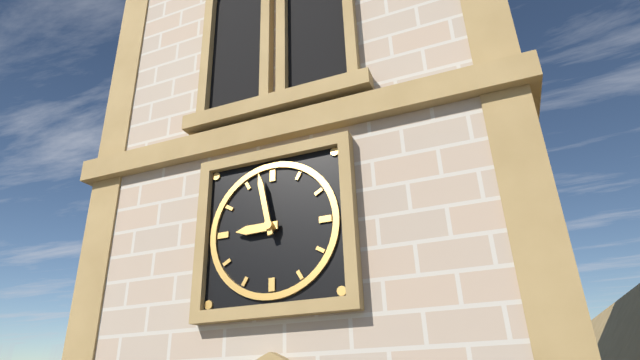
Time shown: {"hour": 8, "minute": 58}
